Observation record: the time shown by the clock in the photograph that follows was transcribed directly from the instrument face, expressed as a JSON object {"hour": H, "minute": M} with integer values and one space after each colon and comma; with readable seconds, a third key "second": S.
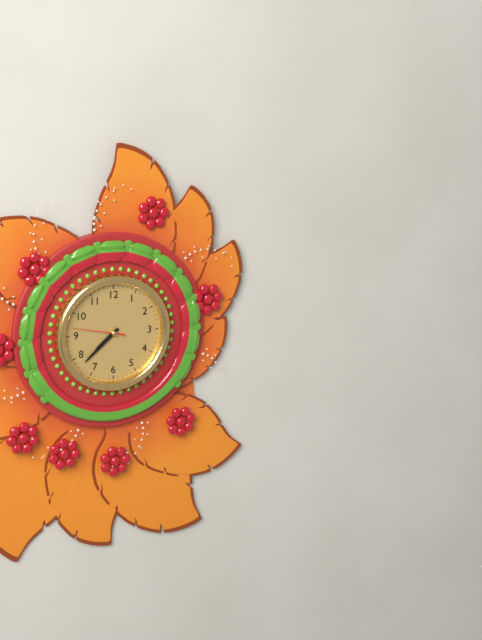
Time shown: {"hour": 7, "minute": 38, "second": 47}
